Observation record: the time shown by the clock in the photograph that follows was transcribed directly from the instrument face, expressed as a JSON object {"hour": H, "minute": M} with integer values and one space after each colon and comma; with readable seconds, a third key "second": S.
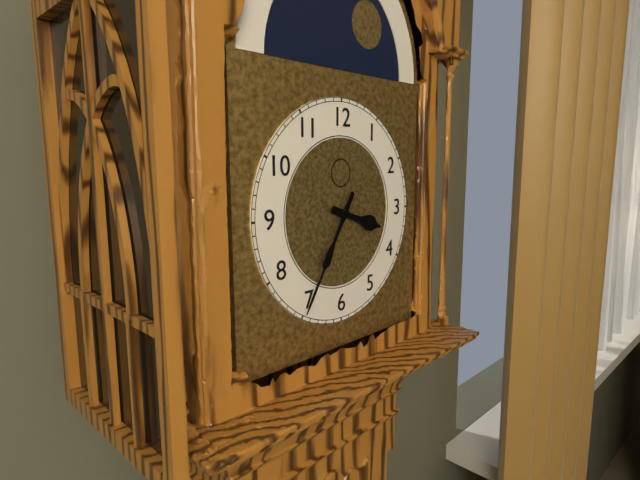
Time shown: {"hour": 3, "minute": 35}
